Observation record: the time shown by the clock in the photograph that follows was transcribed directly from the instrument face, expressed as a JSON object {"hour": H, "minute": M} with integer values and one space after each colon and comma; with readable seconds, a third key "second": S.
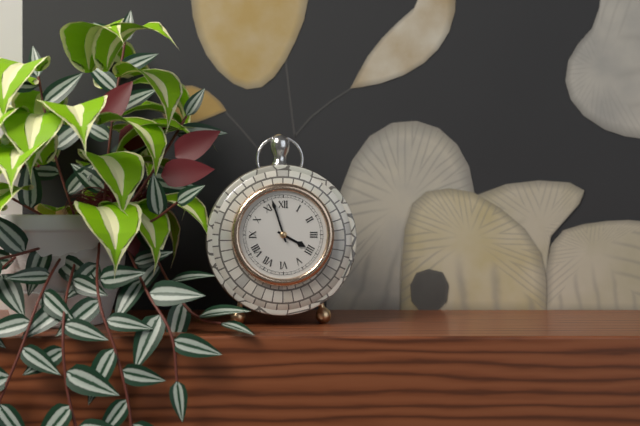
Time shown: {"hour": 3, "minute": 57}
